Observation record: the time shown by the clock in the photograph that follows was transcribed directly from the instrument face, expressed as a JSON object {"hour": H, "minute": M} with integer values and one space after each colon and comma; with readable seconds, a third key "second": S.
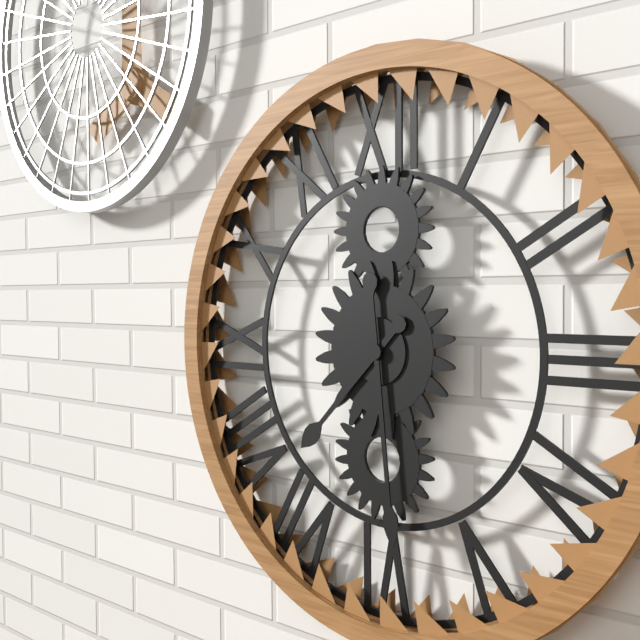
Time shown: {"hour": 7, "minute": 29}
